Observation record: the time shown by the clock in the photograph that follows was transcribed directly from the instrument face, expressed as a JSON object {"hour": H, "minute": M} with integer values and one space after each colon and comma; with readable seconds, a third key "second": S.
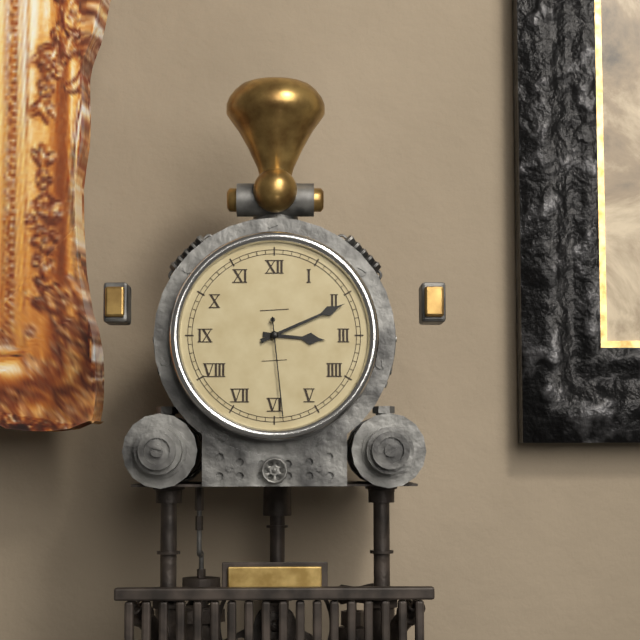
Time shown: {"hour": 3, "minute": 11, "second": 29}
